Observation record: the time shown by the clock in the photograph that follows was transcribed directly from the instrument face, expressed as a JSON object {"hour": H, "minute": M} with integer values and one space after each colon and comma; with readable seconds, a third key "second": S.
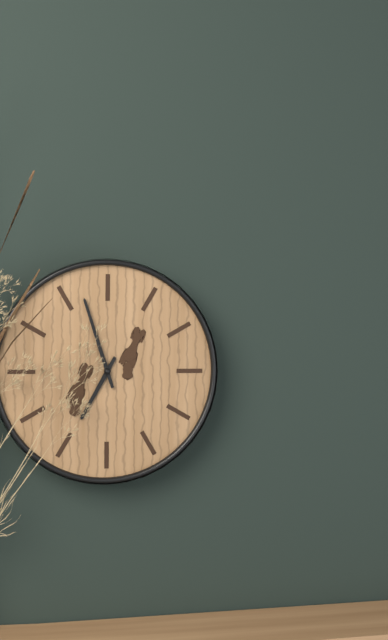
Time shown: {"hour": 6, "minute": 57}
